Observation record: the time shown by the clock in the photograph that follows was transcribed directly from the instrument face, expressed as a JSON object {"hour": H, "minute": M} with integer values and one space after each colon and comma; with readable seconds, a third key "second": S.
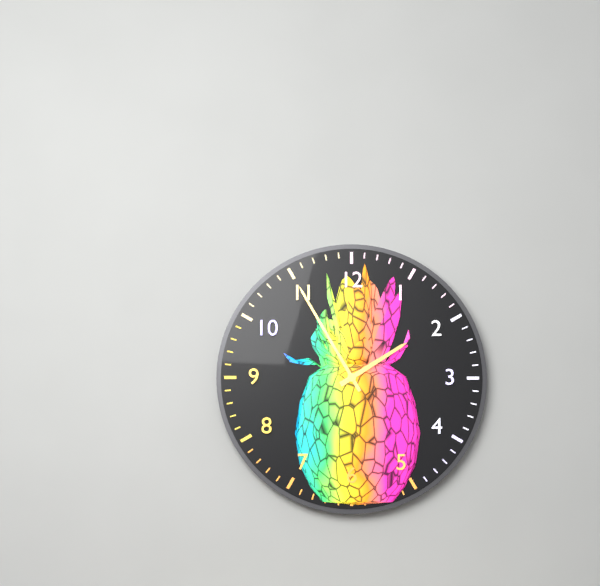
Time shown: {"hour": 1, "minute": 55}
